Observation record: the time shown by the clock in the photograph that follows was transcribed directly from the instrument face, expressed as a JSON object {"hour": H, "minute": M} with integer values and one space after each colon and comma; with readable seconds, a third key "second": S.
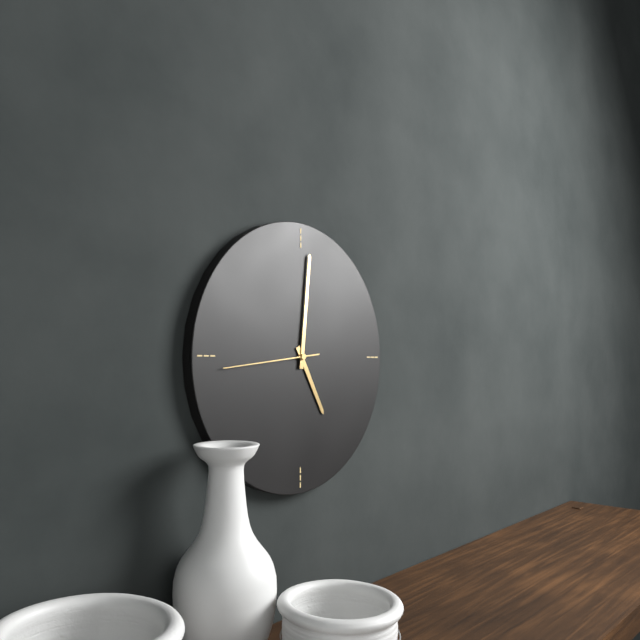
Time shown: {"hour": 5, "minute": 1, "second": 44}
